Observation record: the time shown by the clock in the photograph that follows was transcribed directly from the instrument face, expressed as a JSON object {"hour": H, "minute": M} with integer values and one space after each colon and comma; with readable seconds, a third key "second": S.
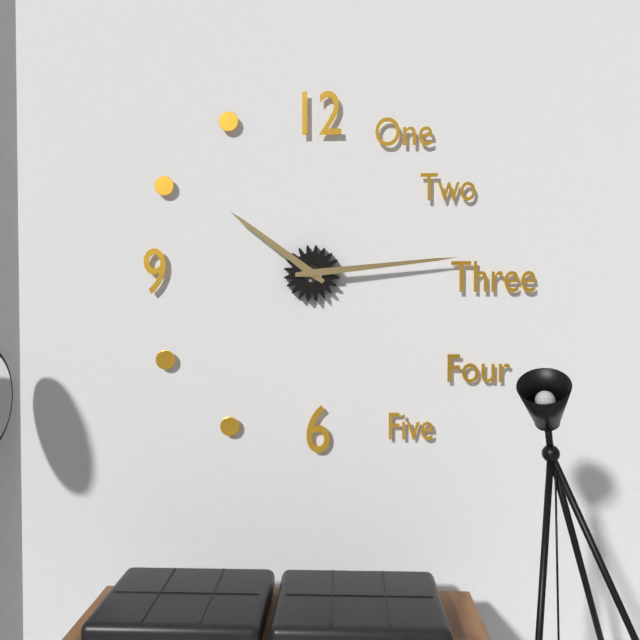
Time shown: {"hour": 10, "minute": 14}
